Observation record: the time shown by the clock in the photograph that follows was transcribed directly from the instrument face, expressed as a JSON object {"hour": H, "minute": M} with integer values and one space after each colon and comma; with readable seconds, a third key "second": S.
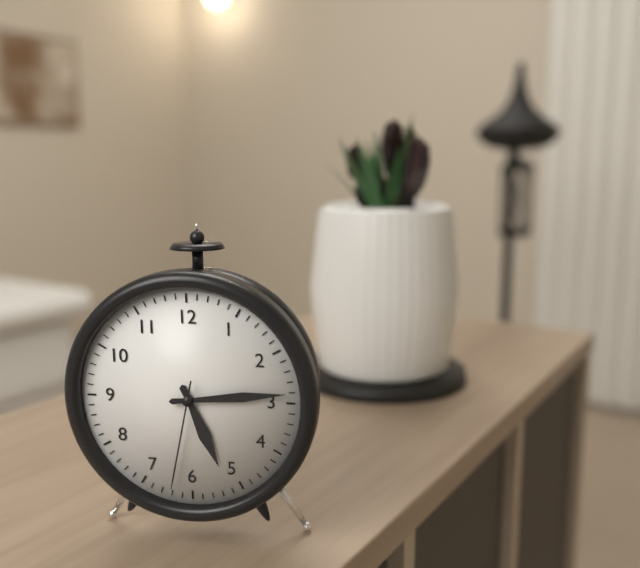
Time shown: {"hour": 5, "minute": 14, "second": 32}
